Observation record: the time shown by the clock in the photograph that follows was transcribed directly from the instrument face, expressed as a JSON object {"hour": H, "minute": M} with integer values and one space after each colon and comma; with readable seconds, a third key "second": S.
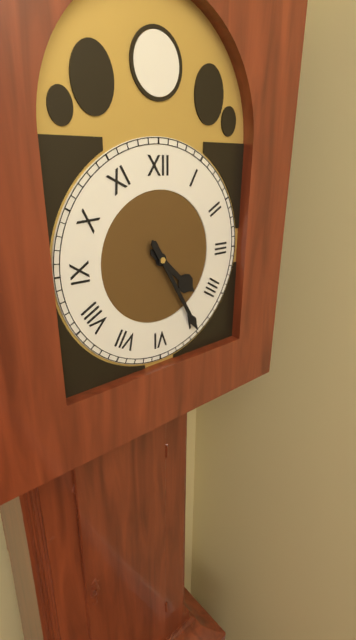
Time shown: {"hour": 4, "minute": 25}
